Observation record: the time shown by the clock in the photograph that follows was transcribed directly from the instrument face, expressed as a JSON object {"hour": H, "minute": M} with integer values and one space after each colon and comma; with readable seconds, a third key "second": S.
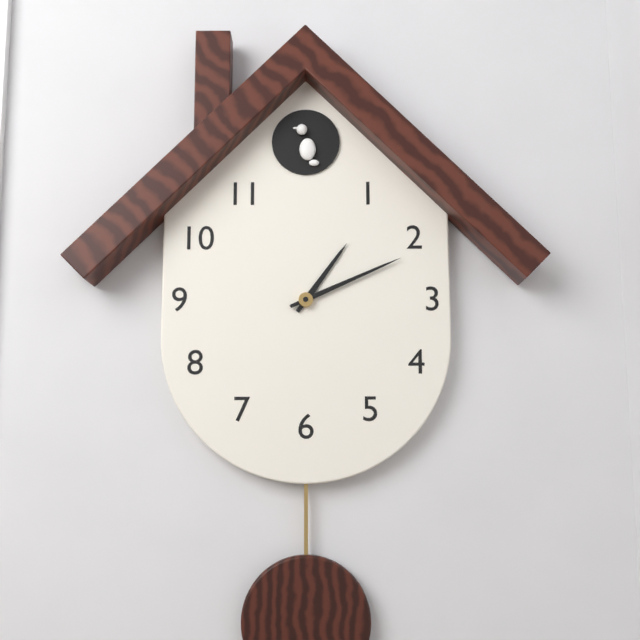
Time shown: {"hour": 1, "minute": 11}
